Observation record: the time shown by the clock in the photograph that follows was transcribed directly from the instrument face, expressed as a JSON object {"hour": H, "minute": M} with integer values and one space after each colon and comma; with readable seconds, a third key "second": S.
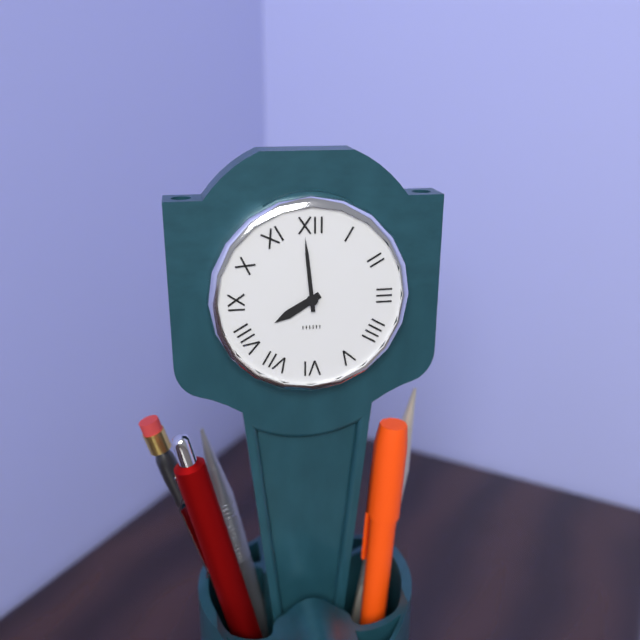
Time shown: {"hour": 7, "minute": 59}
